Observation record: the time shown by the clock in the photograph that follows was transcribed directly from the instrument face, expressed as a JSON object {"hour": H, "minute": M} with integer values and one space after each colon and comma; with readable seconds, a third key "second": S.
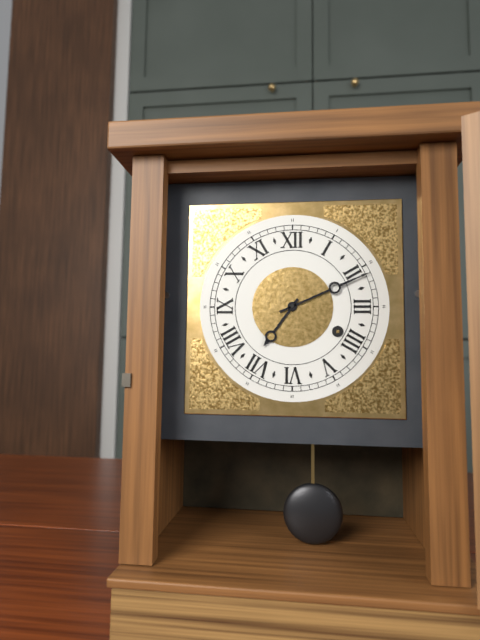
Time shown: {"hour": 7, "minute": 11}
